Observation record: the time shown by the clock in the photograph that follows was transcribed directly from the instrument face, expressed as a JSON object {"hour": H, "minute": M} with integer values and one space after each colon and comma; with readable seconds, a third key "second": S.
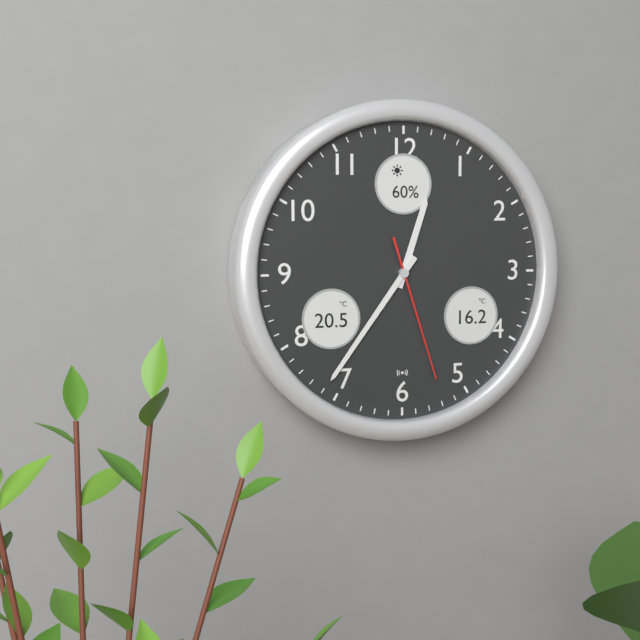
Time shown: {"hour": 12, "minute": 36, "second": 27}
